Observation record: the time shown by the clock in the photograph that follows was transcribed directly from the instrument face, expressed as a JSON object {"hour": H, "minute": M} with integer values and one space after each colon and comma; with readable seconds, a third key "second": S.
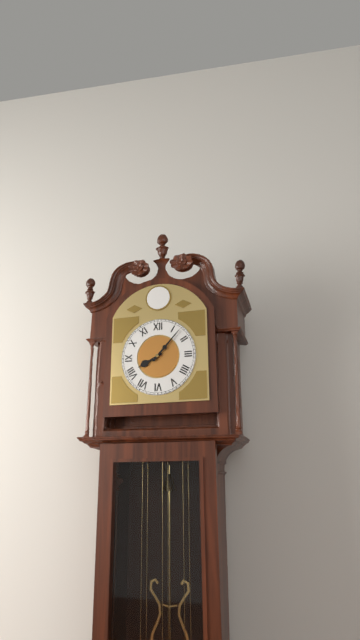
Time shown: {"hour": 8, "minute": 7}
